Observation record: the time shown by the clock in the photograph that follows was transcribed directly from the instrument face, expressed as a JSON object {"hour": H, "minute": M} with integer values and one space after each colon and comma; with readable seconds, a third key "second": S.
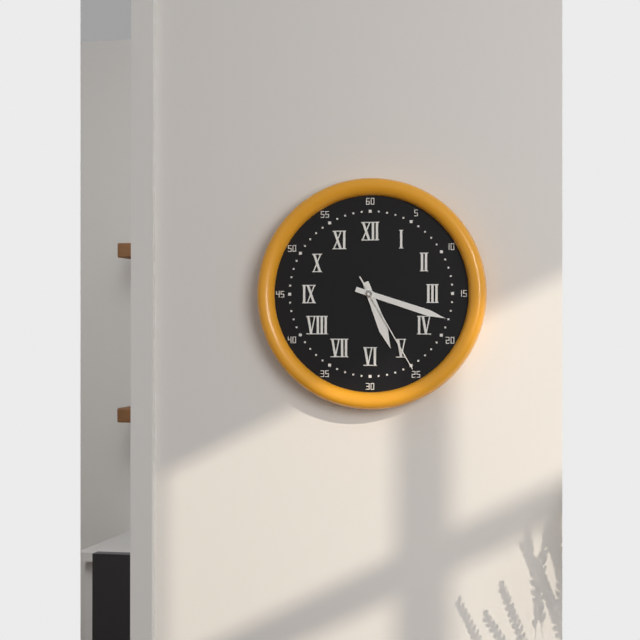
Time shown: {"hour": 5, "minute": 18, "second": 25}
